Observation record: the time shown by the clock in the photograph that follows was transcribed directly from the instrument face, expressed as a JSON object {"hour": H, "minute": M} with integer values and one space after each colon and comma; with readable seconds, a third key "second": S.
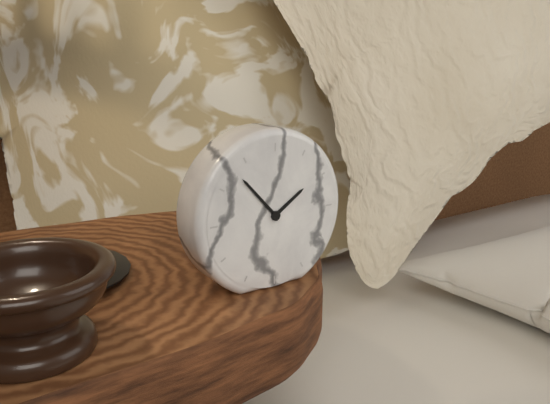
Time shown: {"hour": 1, "minute": 53}
